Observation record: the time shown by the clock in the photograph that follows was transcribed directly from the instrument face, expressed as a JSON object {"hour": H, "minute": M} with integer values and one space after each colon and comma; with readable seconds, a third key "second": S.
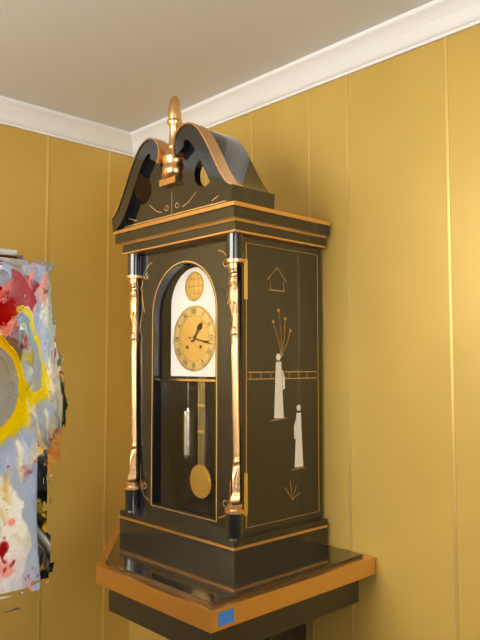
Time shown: {"hour": 1, "minute": 17}
